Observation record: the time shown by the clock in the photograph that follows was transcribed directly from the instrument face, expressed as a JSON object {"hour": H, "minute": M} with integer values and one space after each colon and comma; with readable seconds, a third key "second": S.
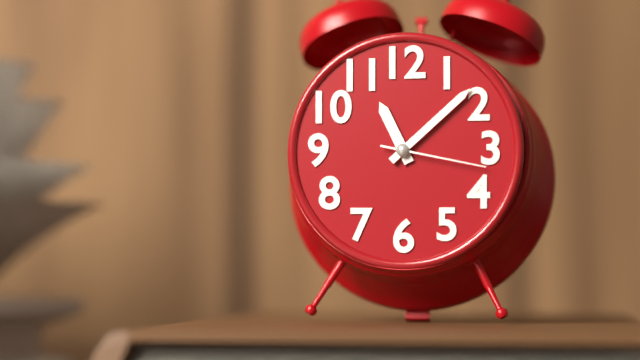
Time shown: {"hour": 11, "minute": 8, "second": 17}
